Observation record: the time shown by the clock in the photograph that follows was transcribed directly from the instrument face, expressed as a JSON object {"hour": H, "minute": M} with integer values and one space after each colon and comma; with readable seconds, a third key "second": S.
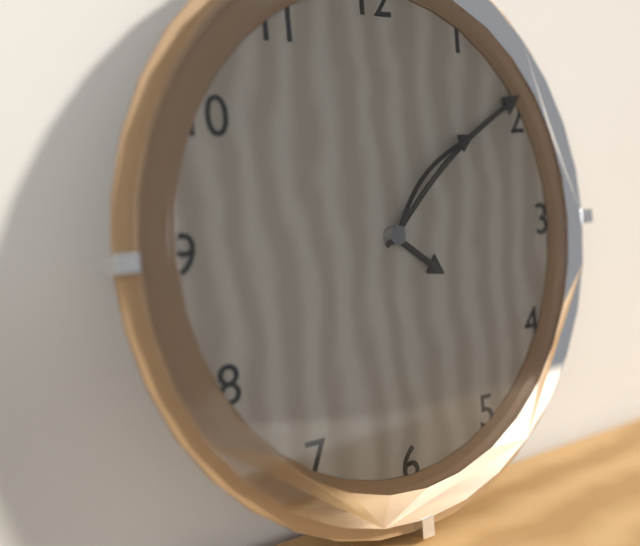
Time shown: {"hour": 4, "minute": 9, "second": 8}
